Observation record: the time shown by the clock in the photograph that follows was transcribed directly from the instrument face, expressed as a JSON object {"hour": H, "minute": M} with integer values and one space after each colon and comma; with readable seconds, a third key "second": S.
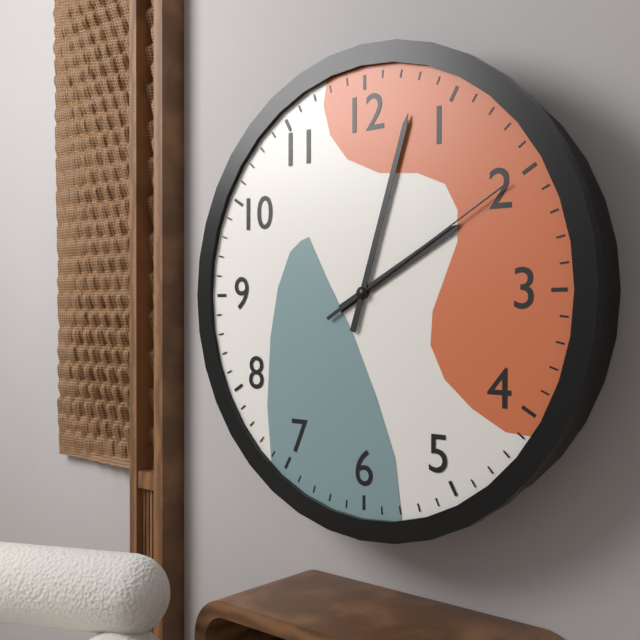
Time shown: {"hour": 2, "minute": 3, "second": 10}
